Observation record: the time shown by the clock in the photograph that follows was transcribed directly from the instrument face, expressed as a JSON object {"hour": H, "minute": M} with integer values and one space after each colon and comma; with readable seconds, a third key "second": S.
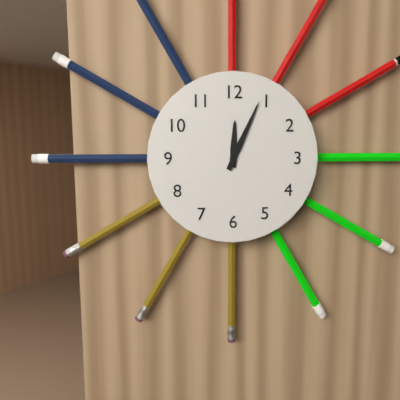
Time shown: {"hour": 12, "minute": 4}
